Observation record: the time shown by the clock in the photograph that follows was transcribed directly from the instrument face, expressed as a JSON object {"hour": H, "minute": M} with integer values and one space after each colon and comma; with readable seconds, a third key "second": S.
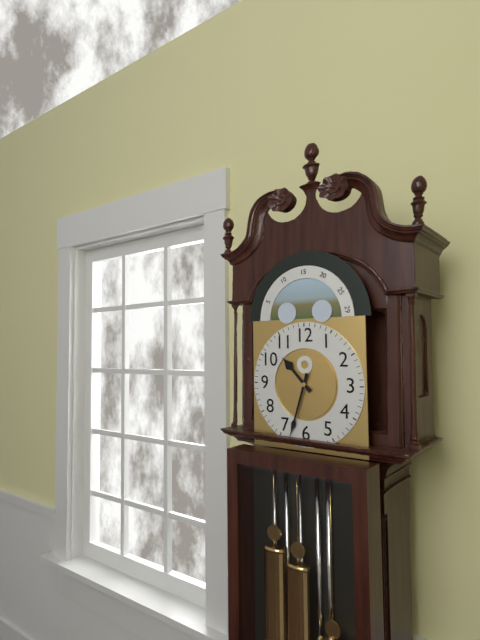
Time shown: {"hour": 10, "minute": 33}
